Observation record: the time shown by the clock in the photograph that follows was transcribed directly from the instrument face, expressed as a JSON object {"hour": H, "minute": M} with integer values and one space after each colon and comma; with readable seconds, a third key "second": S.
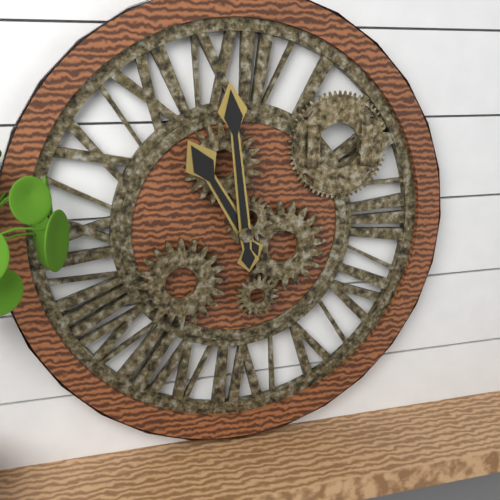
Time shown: {"hour": 10, "minute": 59}
